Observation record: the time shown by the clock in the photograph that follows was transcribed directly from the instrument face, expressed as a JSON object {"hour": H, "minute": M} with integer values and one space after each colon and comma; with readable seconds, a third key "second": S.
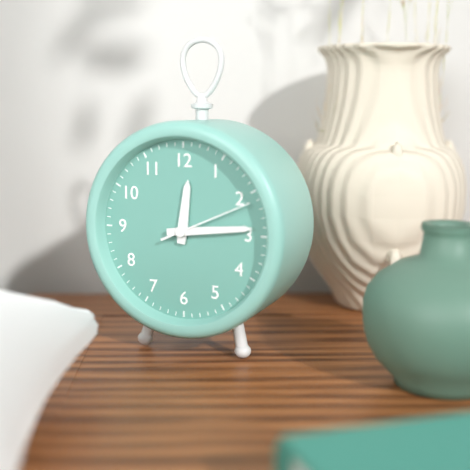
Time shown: {"hour": 12, "minute": 14, "second": 11}
